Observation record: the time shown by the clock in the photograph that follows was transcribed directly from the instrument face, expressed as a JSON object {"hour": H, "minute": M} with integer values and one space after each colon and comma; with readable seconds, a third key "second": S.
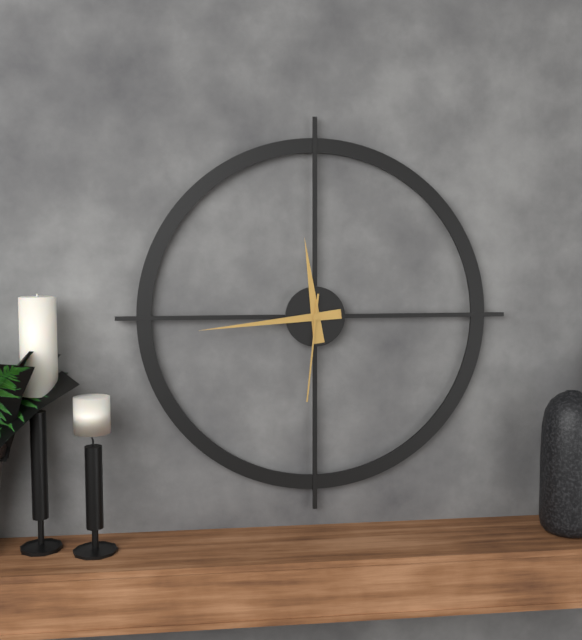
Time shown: {"hour": 11, "minute": 44, "second": 31}
